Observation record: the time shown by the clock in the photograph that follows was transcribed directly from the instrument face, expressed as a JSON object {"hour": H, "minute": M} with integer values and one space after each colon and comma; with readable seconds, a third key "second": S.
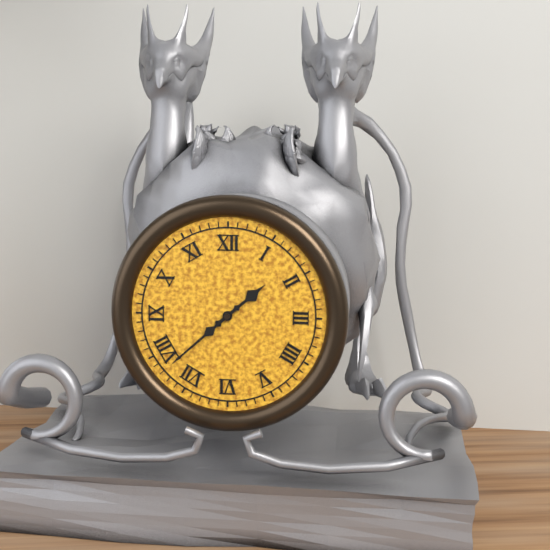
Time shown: {"hour": 1, "minute": 38}
